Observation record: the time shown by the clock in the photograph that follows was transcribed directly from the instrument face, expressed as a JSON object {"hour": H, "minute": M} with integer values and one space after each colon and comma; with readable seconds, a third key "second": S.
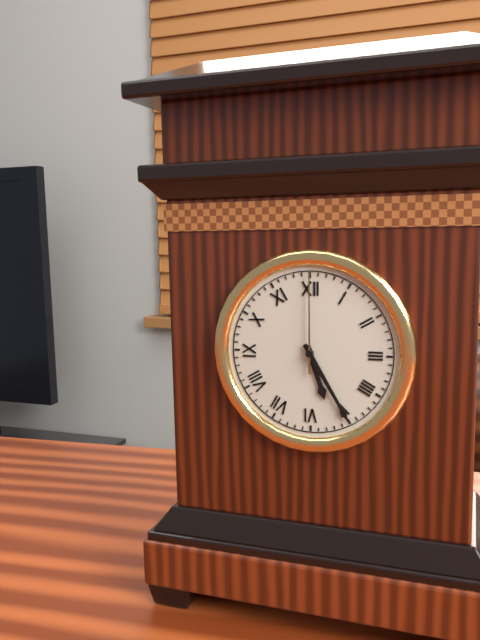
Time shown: {"hour": 5, "minute": 25, "second": 0}
